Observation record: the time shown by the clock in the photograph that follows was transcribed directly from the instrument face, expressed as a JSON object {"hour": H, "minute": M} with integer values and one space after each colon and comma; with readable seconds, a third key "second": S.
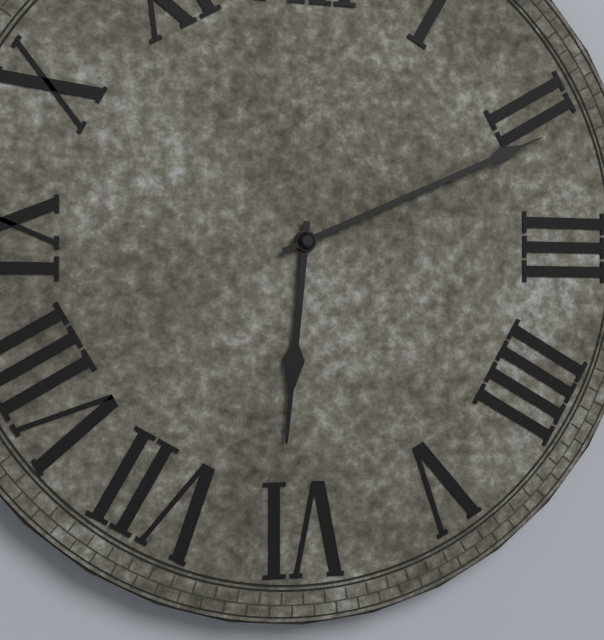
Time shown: {"hour": 6, "minute": 11}
